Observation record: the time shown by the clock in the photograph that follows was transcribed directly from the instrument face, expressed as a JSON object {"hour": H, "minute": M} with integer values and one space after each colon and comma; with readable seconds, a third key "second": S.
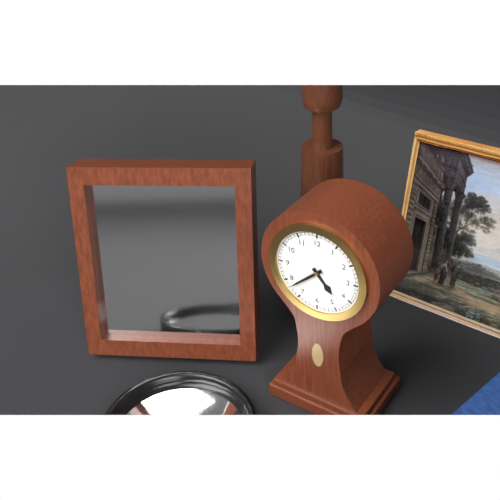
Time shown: {"hour": 4, "minute": 38}
